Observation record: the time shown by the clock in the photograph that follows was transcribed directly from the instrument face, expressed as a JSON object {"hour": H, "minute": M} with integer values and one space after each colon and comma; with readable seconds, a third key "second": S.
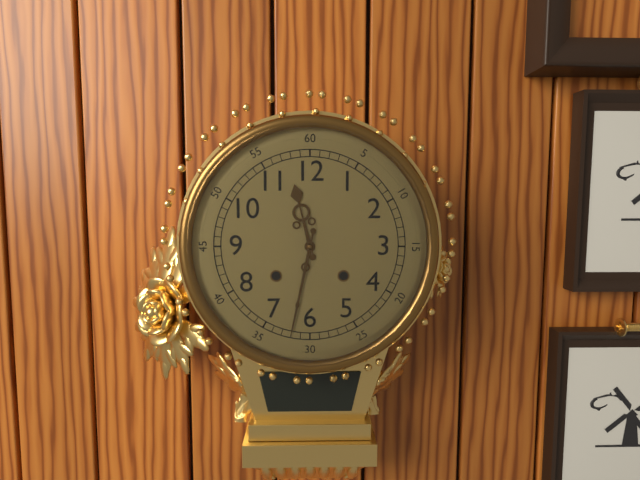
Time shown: {"hour": 11, "minute": 32}
